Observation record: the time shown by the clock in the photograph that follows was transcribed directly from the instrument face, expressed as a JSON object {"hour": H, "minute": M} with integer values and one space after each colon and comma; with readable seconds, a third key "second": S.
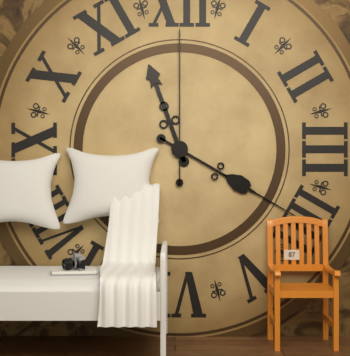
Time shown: {"hour": 11, "minute": 20, "second": 0}
